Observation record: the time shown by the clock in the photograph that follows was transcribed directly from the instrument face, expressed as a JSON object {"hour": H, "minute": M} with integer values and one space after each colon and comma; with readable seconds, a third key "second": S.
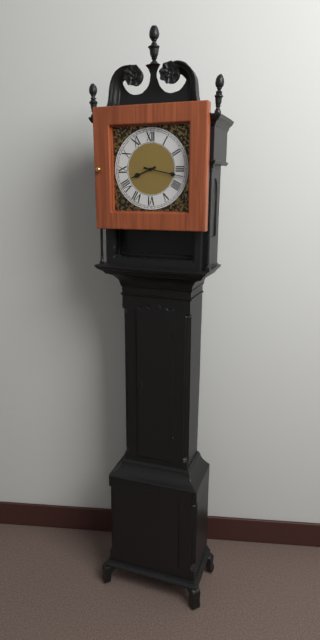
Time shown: {"hour": 8, "minute": 17}
